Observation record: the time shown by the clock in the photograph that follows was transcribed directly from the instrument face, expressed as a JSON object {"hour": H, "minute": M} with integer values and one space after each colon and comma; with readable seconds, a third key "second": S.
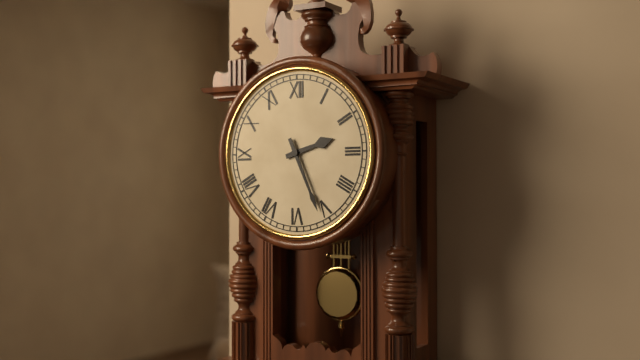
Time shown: {"hour": 2, "minute": 26}
